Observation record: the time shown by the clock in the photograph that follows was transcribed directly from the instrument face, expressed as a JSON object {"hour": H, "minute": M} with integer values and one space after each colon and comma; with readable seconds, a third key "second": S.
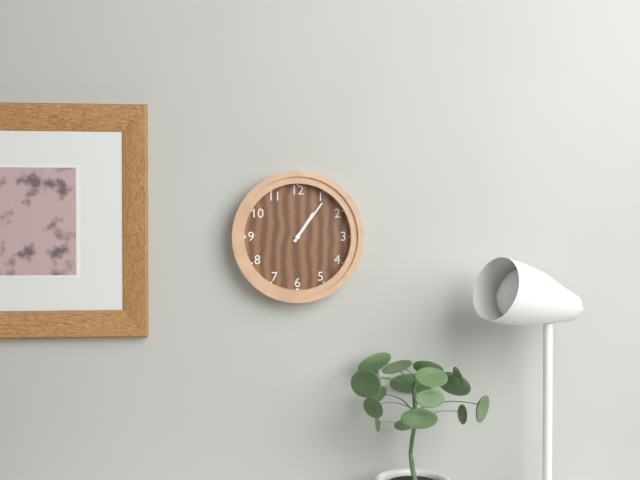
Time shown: {"hour": 1, "minute": 6}
